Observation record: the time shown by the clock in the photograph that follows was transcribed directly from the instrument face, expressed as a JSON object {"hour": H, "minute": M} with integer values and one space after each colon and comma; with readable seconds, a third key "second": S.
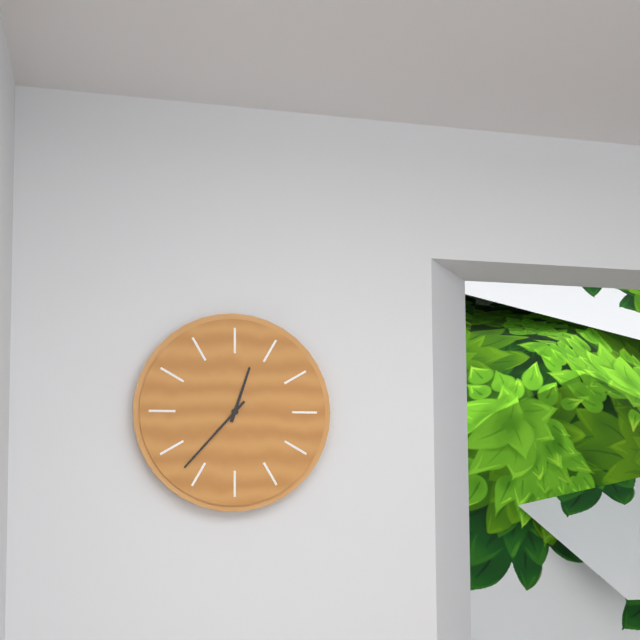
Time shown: {"hour": 12, "minute": 37}
